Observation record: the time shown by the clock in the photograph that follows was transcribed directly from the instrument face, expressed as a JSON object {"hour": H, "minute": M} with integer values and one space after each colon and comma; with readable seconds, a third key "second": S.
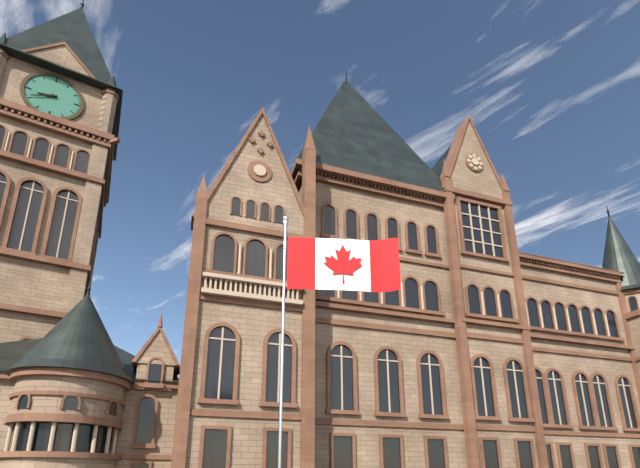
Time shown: {"hour": 8, "minute": 41}
